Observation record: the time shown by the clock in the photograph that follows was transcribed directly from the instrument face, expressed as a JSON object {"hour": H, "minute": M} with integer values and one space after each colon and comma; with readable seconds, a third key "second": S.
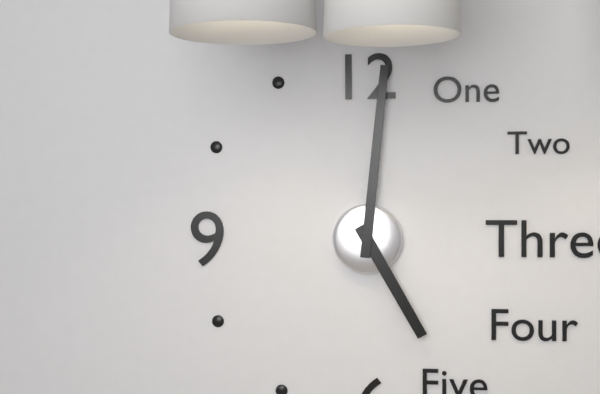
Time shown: {"hour": 5, "minute": 1}
